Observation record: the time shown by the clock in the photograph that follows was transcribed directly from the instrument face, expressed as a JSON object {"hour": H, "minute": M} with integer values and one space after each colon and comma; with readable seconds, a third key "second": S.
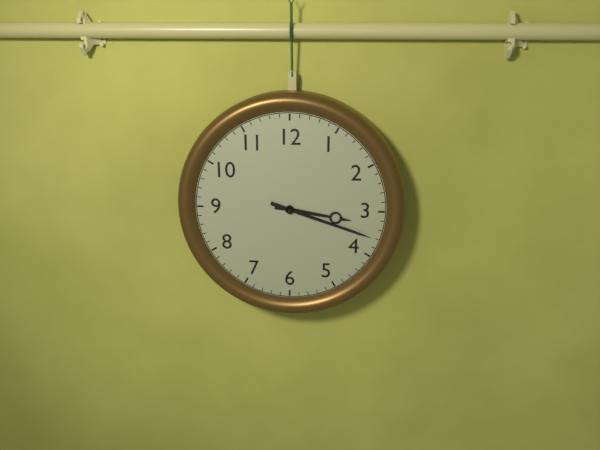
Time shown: {"hour": 3, "minute": 18}
